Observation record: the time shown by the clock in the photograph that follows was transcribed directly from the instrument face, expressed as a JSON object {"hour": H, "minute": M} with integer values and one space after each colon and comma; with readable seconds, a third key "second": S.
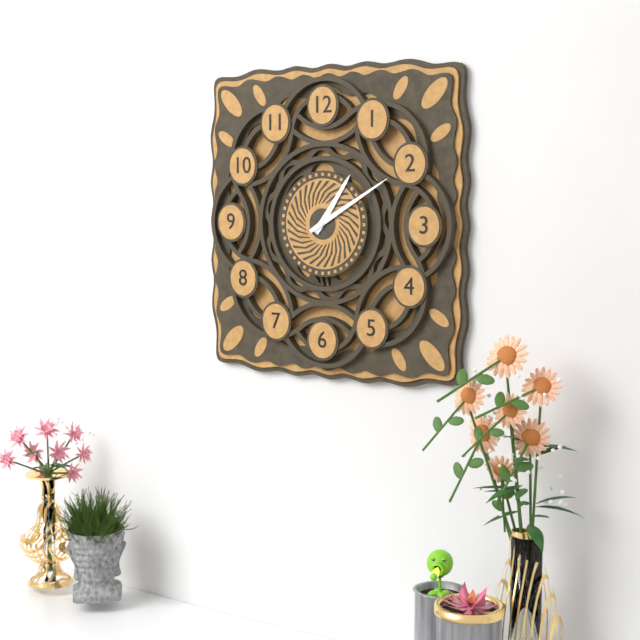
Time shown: {"hour": 1, "minute": 10}
